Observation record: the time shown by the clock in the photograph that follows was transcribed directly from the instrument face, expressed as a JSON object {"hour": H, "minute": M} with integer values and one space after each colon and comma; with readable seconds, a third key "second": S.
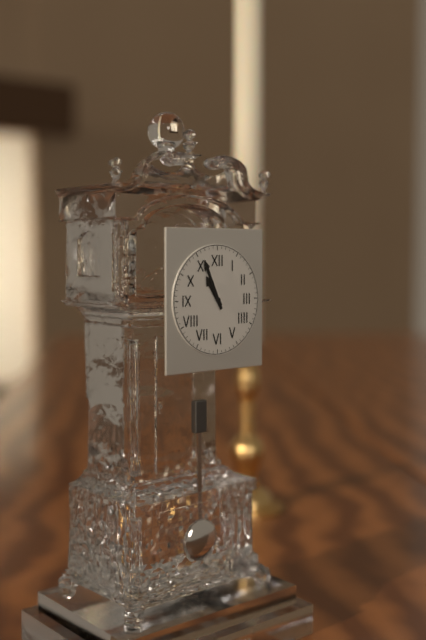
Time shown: {"hour": 10, "minute": 56}
